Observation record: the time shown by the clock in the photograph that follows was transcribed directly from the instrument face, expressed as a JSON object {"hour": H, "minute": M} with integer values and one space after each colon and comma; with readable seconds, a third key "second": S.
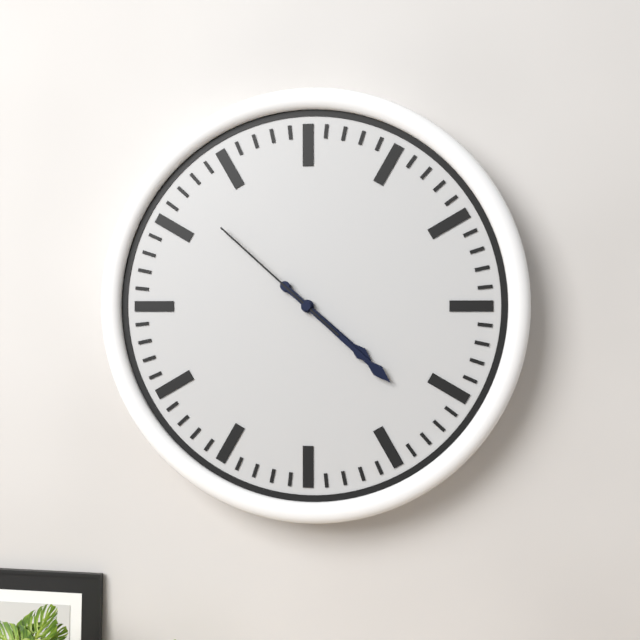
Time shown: {"hour": 4, "minute": 22, "second": 52}
